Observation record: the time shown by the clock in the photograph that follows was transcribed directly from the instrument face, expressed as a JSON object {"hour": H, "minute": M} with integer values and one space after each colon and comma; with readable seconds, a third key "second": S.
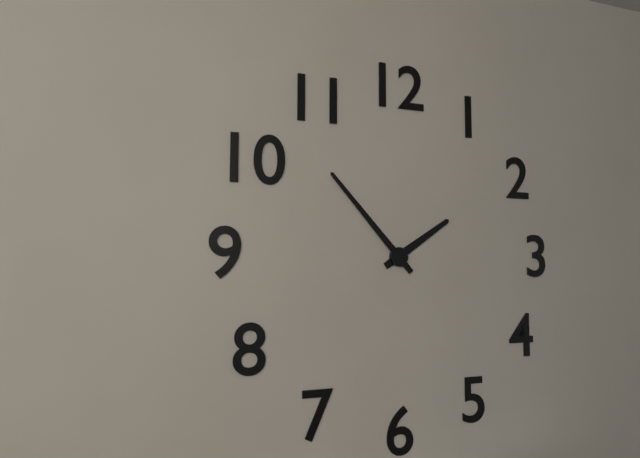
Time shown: {"hour": 1, "minute": 53}
